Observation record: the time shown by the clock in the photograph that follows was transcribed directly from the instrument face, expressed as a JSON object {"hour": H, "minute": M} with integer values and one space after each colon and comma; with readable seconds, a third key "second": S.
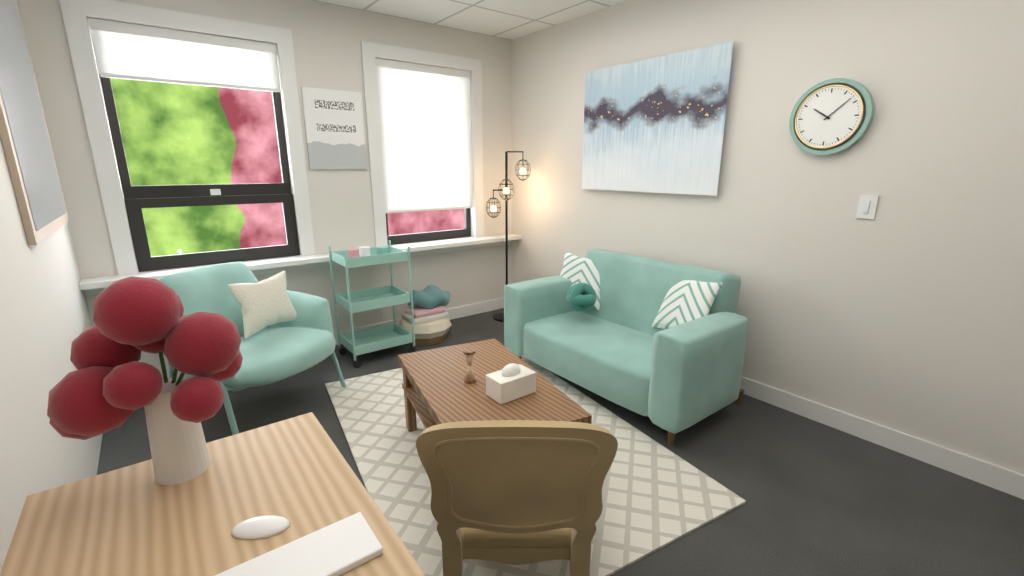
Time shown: {"hour": 10, "minute": 8}
